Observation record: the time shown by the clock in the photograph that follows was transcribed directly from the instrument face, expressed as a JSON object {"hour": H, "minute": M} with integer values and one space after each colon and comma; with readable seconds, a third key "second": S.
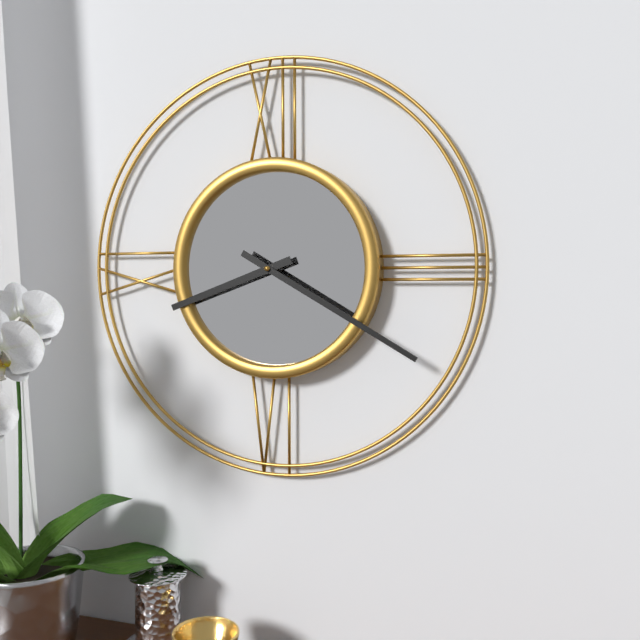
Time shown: {"hour": 8, "minute": 20}
